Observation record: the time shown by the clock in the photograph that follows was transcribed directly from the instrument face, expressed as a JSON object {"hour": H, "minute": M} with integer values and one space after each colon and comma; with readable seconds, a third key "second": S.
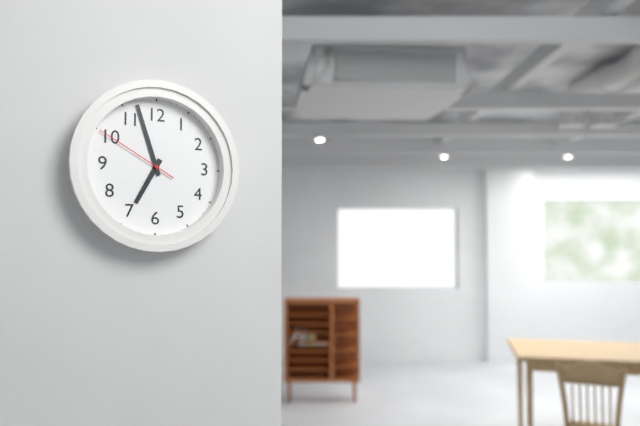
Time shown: {"hour": 6, "minute": 57, "second": 50}
